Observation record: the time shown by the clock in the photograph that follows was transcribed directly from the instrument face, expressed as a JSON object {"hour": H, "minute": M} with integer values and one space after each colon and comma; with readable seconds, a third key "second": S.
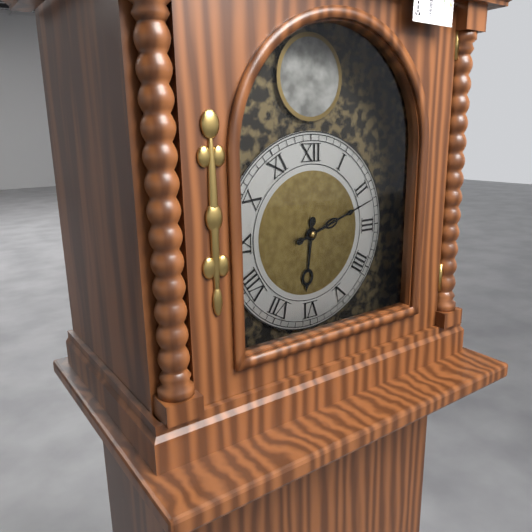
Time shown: {"hour": 6, "minute": 12}
